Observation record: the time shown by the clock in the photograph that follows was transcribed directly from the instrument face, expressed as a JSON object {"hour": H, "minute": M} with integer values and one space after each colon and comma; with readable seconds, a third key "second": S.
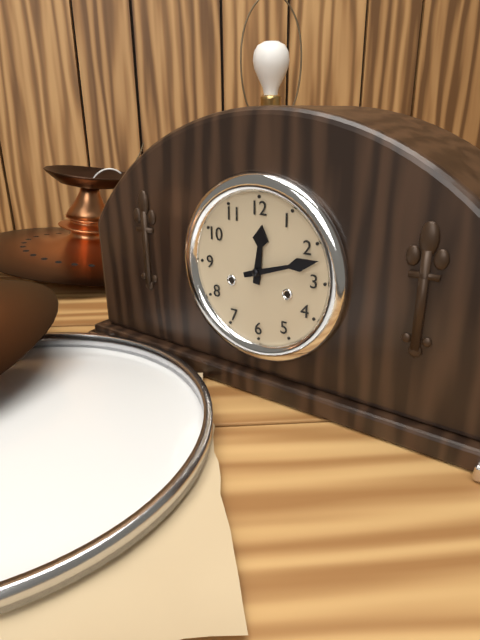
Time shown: {"hour": 12, "minute": 12}
